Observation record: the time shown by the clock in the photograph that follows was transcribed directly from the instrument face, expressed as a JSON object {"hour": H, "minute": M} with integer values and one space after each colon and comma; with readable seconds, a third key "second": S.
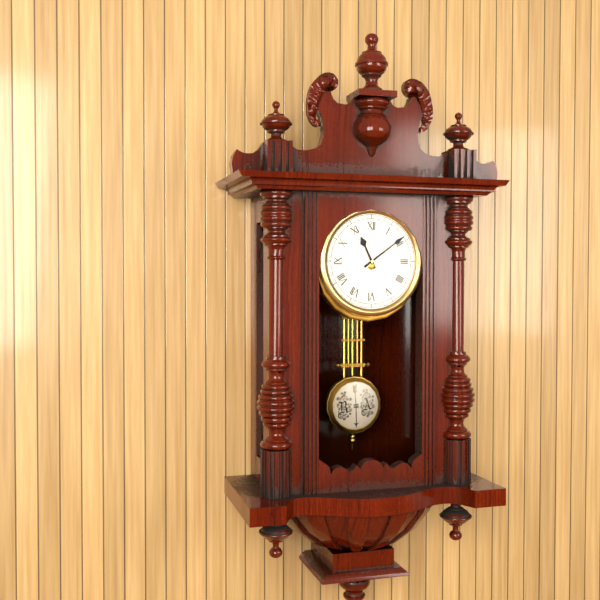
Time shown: {"hour": 11, "minute": 9}
